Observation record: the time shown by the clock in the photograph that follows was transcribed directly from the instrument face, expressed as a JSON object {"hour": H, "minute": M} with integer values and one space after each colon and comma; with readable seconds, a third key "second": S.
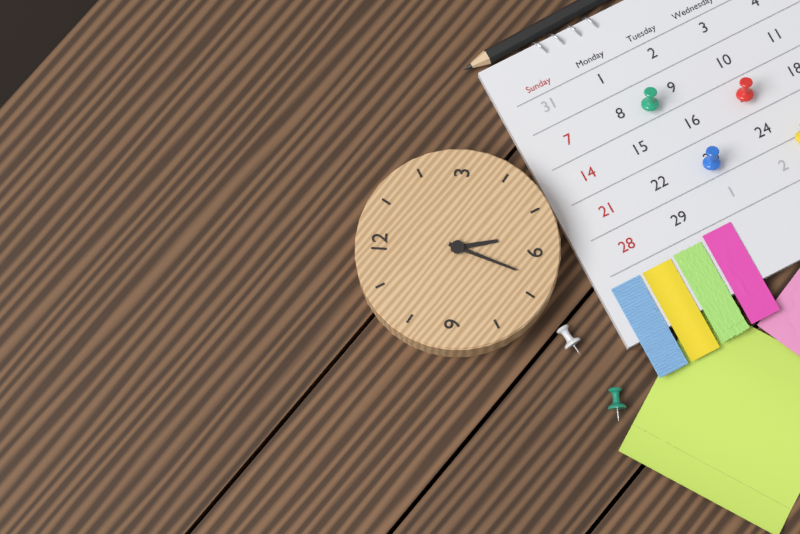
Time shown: {"hour": 5, "minute": 33}
